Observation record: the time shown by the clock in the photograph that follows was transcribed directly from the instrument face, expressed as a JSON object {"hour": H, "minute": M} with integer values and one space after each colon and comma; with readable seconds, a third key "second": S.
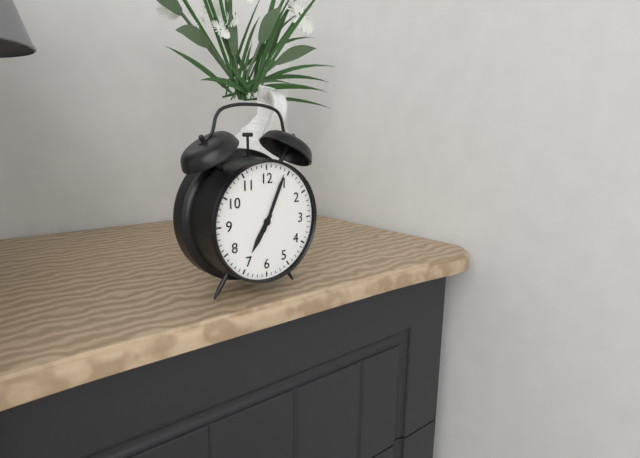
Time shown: {"hour": 7, "minute": 4}
